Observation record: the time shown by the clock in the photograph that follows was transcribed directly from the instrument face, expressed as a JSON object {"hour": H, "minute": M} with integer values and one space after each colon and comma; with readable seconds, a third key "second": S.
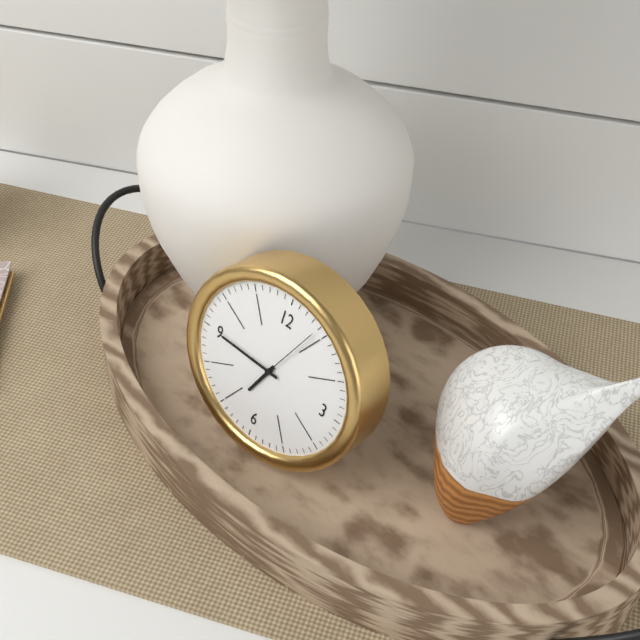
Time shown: {"hour": 6, "minute": 45, "second": 4}
